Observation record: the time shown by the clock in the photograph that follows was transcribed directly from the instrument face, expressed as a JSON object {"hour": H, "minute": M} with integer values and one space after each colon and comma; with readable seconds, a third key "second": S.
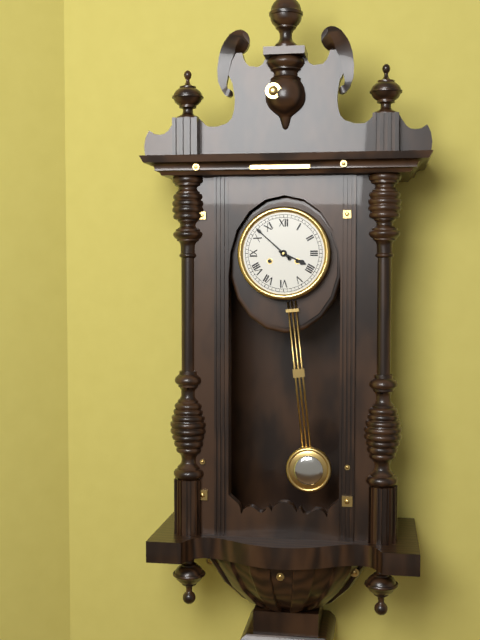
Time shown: {"hour": 3, "minute": 52}
